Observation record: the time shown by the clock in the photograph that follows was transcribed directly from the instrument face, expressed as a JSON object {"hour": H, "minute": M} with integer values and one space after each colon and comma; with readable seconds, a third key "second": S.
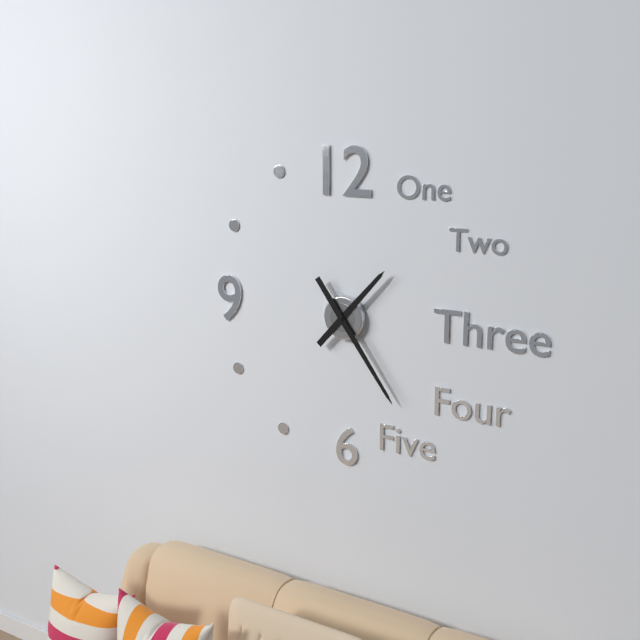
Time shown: {"hour": 1, "minute": 24}
